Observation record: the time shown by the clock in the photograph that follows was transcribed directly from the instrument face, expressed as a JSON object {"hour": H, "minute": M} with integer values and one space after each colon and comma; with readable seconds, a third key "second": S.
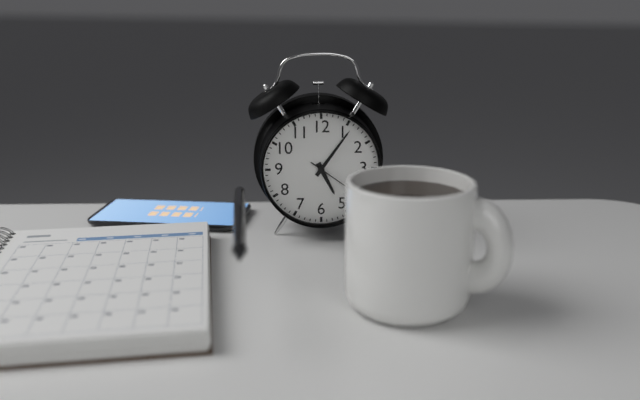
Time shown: {"hour": 5, "minute": 6}
